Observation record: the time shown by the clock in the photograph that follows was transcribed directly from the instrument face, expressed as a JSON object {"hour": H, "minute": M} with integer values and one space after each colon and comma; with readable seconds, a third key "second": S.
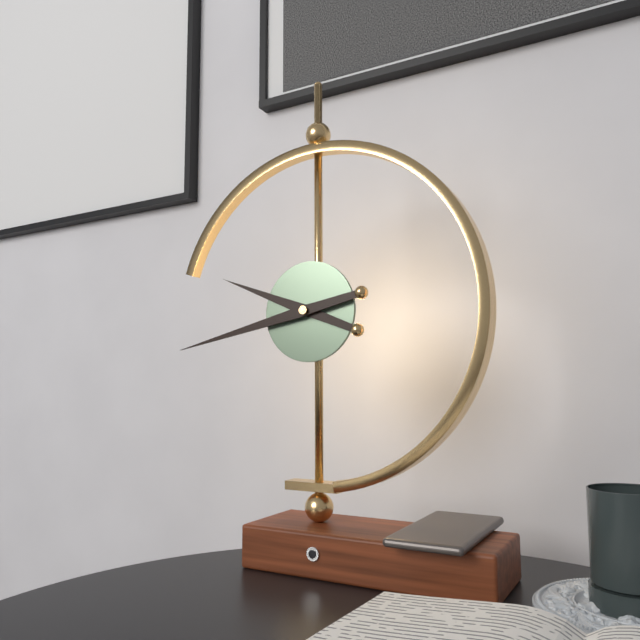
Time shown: {"hour": 9, "minute": 43}
